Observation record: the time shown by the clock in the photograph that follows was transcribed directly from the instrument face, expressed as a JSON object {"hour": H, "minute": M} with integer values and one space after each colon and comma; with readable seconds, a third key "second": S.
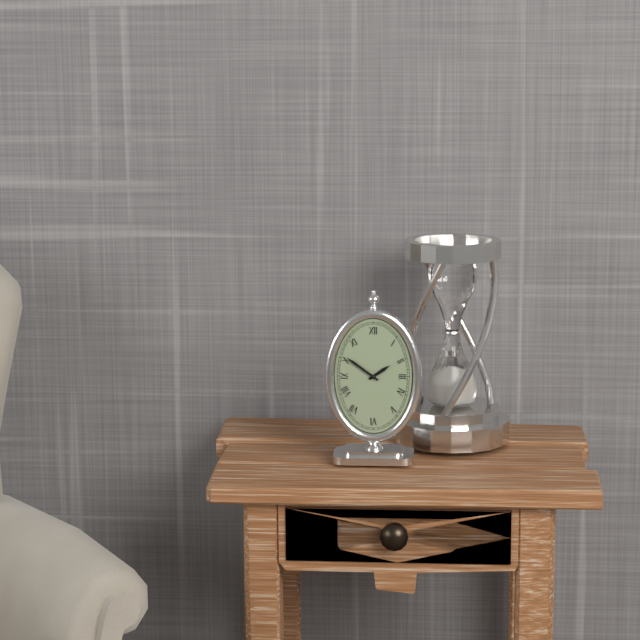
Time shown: {"hour": 1, "minute": 51}
